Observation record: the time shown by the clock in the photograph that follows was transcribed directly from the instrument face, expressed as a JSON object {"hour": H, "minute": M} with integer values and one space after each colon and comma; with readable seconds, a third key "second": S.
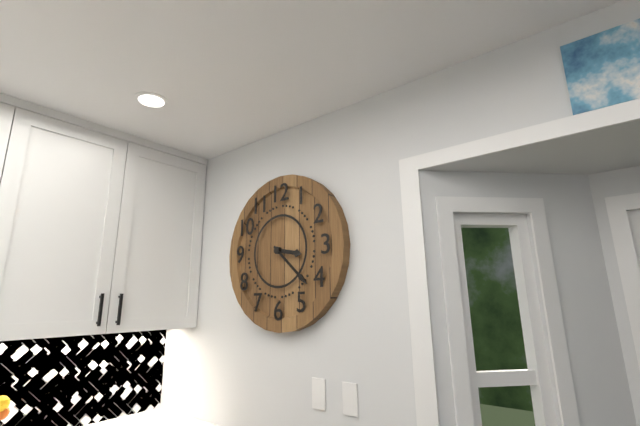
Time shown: {"hour": 3, "minute": 22}
